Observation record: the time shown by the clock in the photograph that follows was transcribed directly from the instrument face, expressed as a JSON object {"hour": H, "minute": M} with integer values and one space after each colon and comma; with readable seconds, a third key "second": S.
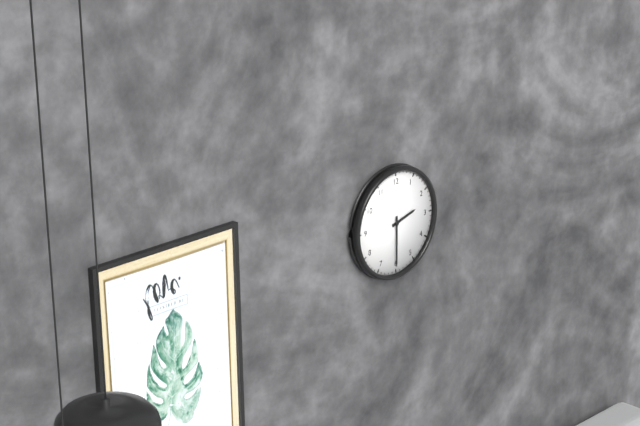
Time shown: {"hour": 2, "minute": 30}
